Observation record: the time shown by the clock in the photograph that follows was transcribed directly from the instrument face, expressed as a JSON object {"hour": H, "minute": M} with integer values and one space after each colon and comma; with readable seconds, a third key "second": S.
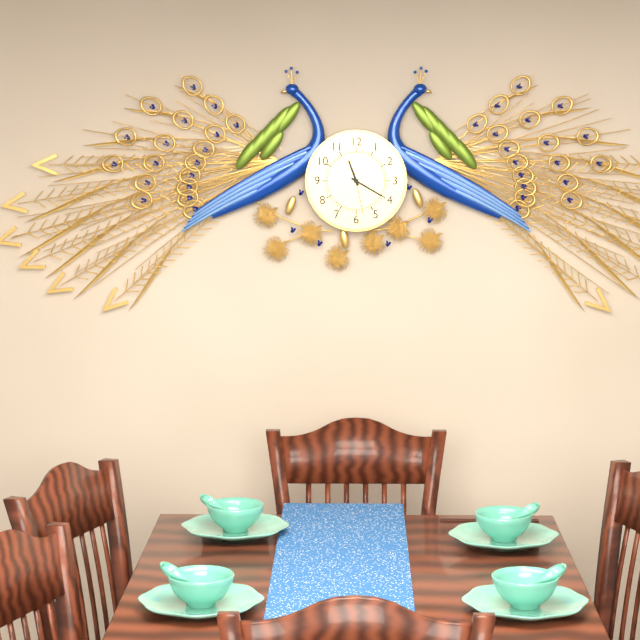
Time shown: {"hour": 11, "minute": 20}
